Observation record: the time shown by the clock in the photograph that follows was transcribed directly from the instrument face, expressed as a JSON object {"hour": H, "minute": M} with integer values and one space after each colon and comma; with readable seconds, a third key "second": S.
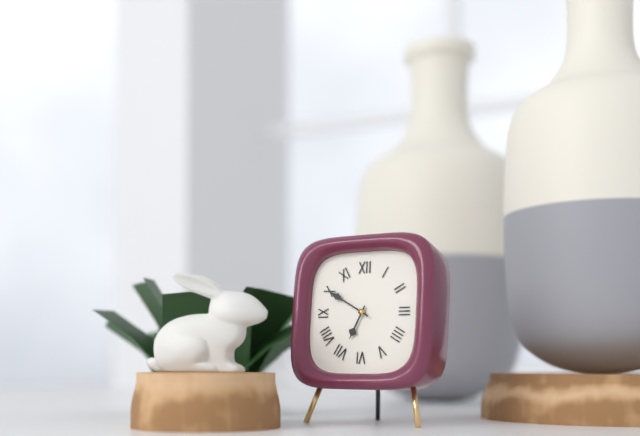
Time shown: {"hour": 6, "minute": 50}
